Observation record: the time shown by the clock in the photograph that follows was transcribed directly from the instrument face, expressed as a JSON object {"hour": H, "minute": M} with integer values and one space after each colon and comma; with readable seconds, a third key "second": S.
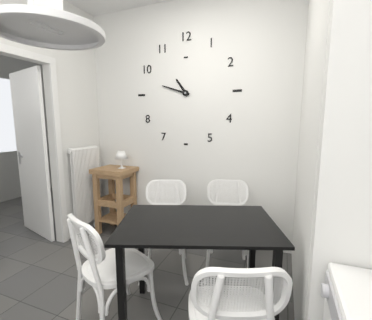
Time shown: {"hour": 10, "minute": 48}
